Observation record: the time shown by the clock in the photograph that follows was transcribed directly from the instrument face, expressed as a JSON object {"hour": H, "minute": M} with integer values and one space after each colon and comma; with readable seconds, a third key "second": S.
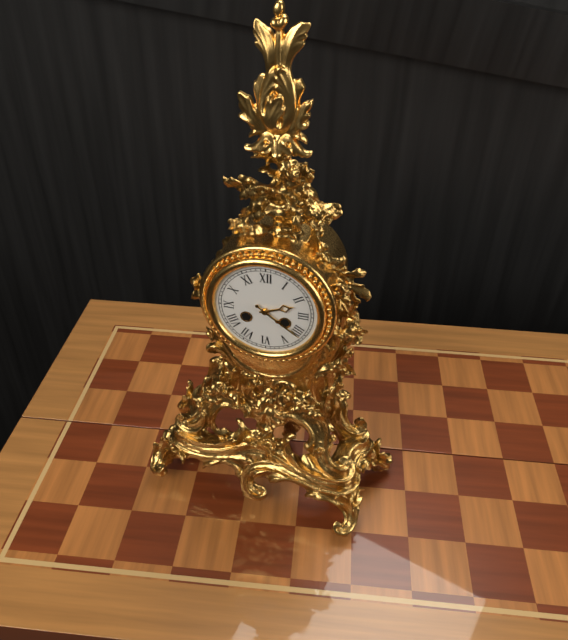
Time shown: {"hour": 2, "minute": 21}
